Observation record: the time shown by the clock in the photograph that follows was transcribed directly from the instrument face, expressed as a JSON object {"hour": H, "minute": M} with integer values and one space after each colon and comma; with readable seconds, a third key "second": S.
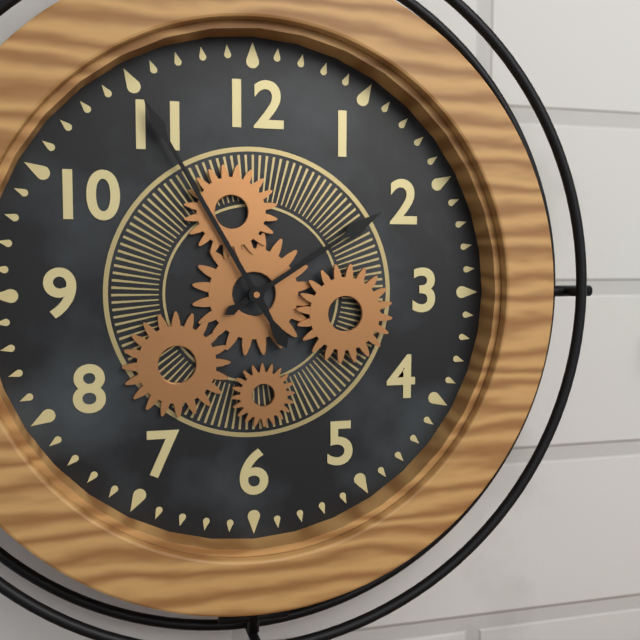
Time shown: {"hour": 1, "minute": 55}
